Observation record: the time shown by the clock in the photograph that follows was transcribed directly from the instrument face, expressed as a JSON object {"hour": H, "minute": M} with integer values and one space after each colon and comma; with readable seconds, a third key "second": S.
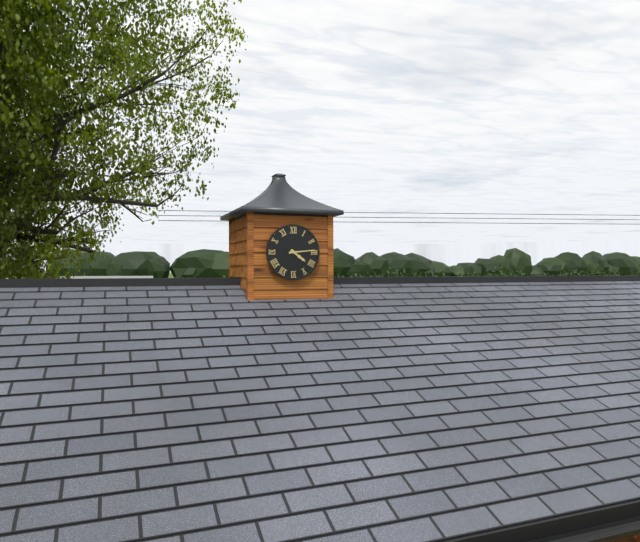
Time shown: {"hour": 4, "minute": 14}
